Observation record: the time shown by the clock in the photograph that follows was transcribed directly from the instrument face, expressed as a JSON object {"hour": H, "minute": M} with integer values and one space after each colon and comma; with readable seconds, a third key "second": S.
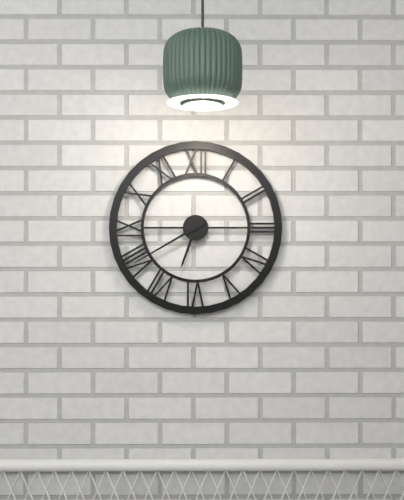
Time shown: {"hour": 6, "minute": 40}
